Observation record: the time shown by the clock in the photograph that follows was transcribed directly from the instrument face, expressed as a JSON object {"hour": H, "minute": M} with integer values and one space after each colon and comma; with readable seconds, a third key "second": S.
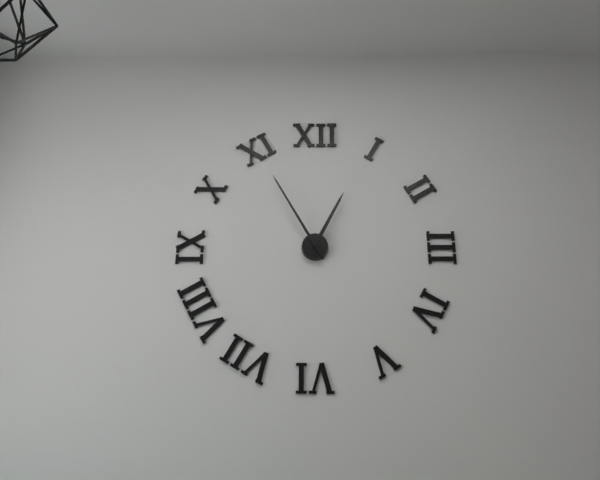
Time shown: {"hour": 12, "minute": 55}
